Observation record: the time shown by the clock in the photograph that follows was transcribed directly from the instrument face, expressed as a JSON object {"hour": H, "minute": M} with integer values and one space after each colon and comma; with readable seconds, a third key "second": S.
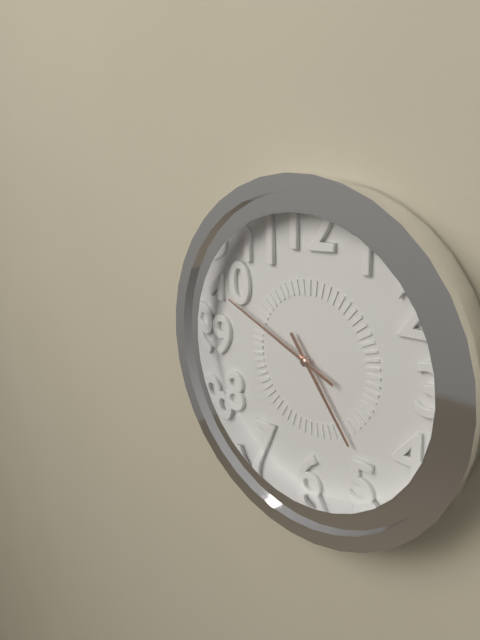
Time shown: {"hour": 4, "minute": 49}
